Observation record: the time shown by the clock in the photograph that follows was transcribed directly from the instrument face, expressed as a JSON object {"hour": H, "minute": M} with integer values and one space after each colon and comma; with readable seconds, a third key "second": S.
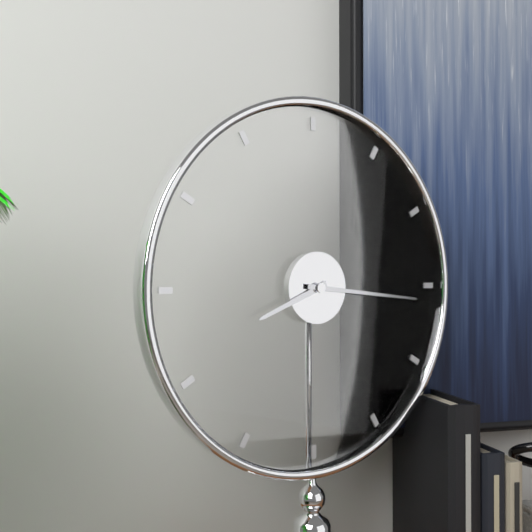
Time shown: {"hour": 8, "minute": 16}
